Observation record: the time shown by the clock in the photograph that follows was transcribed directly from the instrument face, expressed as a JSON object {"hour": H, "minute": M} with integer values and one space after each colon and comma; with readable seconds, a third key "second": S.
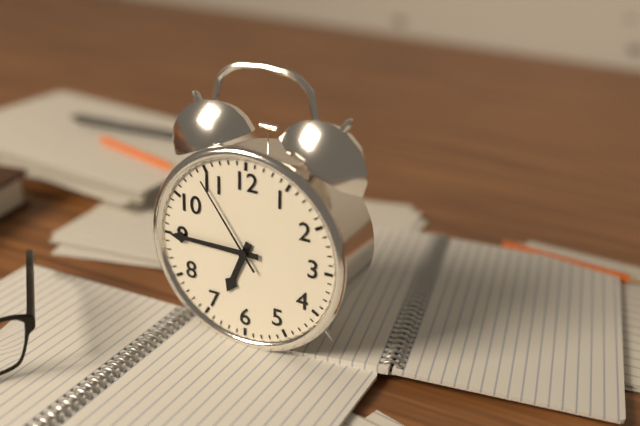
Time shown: {"hour": 6, "minute": 45, "second": 54}
